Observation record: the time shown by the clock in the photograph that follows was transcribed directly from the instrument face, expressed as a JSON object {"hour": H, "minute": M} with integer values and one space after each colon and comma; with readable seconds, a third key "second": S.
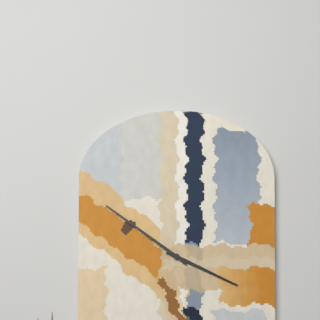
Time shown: {"hour": 3, "minute": 51}
